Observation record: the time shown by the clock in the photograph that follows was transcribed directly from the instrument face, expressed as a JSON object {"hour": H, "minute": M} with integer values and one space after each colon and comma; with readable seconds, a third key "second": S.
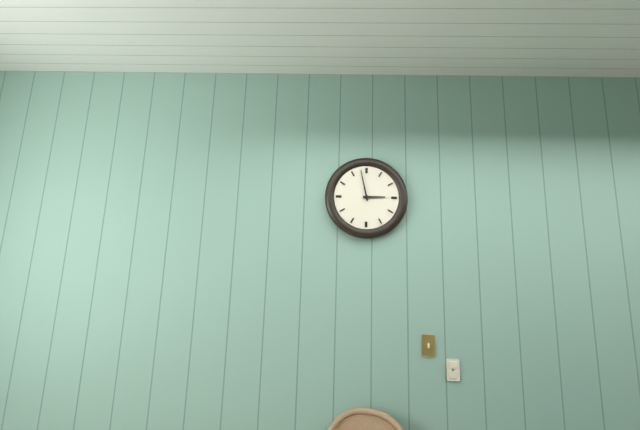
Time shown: {"hour": 2, "minute": 58}
